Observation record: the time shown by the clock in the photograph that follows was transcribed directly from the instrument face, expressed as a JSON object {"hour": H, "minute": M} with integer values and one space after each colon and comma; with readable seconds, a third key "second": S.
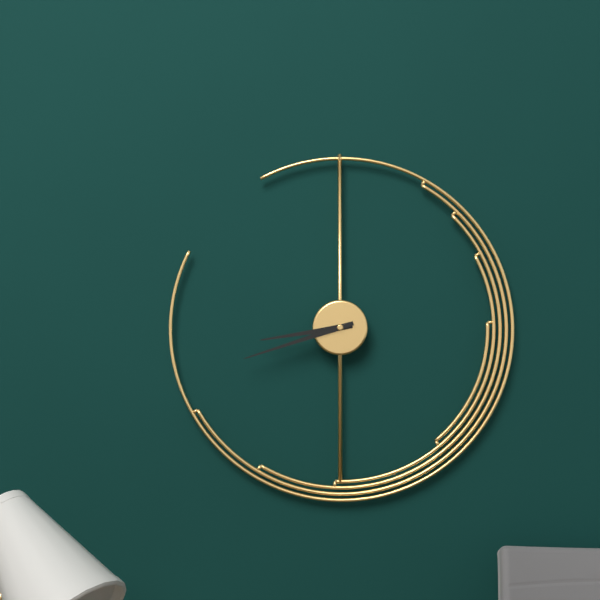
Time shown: {"hour": 8, "minute": 42}
